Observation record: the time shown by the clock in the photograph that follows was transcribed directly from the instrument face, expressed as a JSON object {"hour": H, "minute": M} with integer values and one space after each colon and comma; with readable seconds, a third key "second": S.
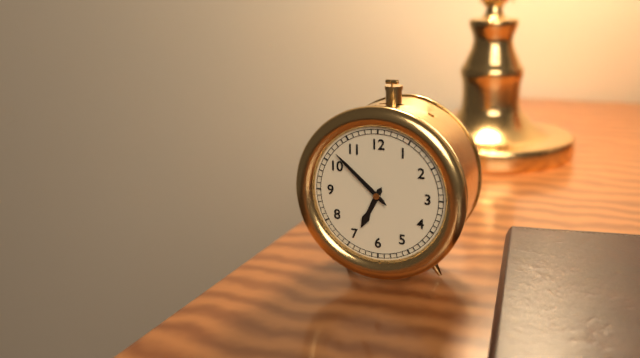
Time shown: {"hour": 6, "minute": 52}
